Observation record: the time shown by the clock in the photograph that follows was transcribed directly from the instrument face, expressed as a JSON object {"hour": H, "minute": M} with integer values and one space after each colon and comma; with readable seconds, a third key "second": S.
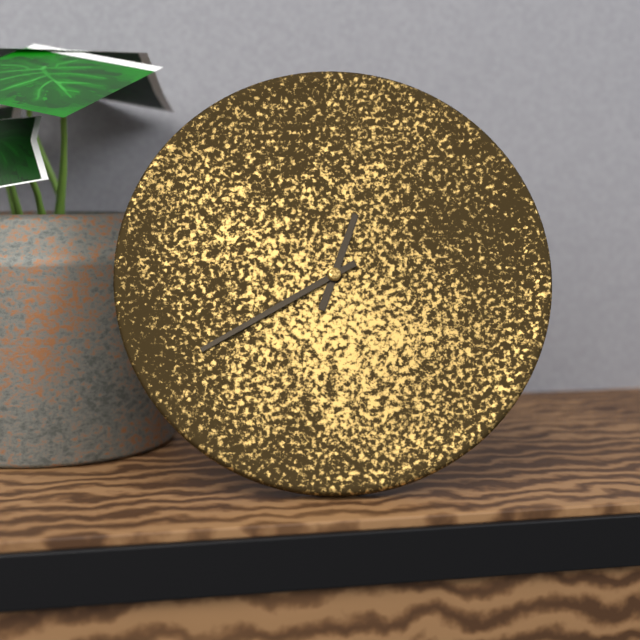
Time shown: {"hour": 12, "minute": 40}
